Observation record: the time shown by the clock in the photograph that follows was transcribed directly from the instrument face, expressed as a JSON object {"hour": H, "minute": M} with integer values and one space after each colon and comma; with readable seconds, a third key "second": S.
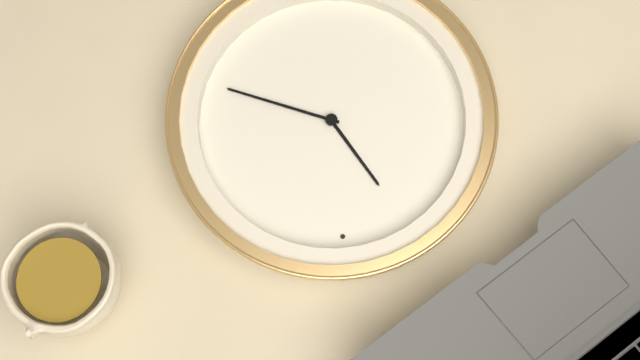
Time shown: {"hour": 10, "minute": 15}
